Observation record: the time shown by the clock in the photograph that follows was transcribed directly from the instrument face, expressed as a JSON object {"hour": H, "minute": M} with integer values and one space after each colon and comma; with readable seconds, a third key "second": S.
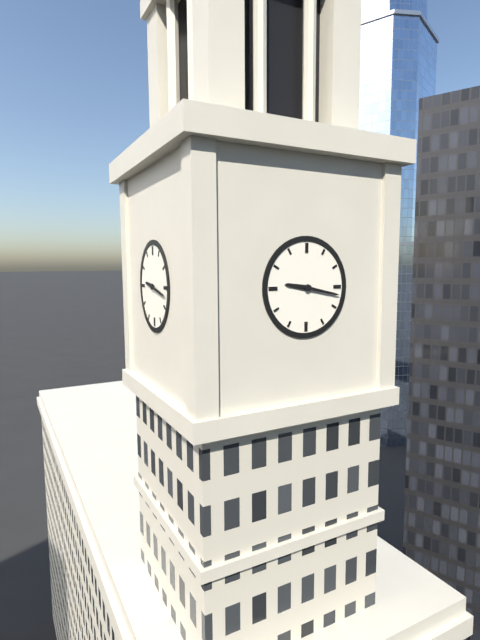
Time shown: {"hour": 9, "minute": 17}
